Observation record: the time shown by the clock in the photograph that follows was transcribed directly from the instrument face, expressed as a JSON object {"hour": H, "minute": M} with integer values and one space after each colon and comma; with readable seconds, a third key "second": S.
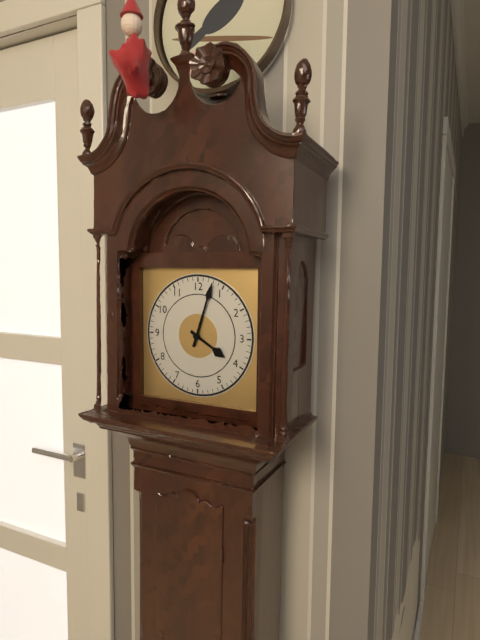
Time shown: {"hour": 4, "minute": 3}
